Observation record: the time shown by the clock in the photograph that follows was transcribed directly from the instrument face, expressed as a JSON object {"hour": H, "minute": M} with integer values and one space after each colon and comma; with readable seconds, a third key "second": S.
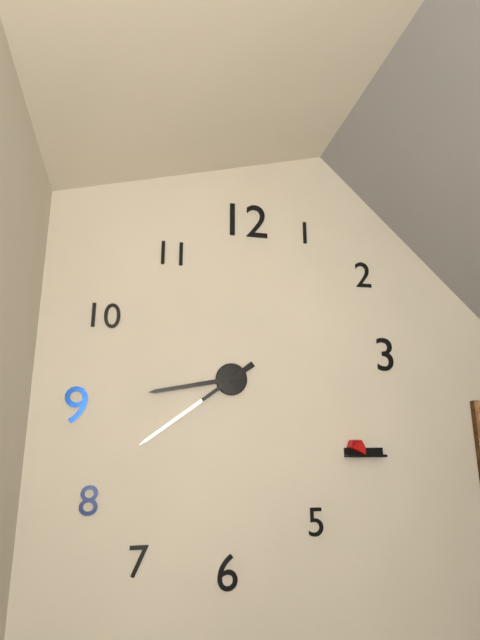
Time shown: {"hour": 8, "minute": 39}
